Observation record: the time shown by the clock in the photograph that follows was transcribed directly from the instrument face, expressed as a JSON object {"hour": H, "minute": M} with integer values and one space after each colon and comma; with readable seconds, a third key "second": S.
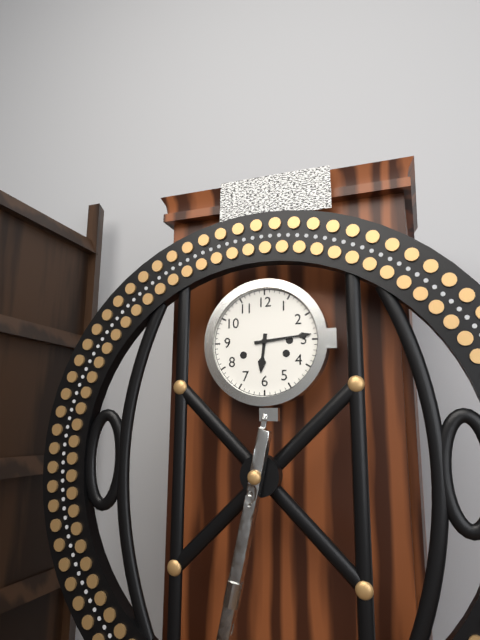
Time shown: {"hour": 6, "minute": 14}
